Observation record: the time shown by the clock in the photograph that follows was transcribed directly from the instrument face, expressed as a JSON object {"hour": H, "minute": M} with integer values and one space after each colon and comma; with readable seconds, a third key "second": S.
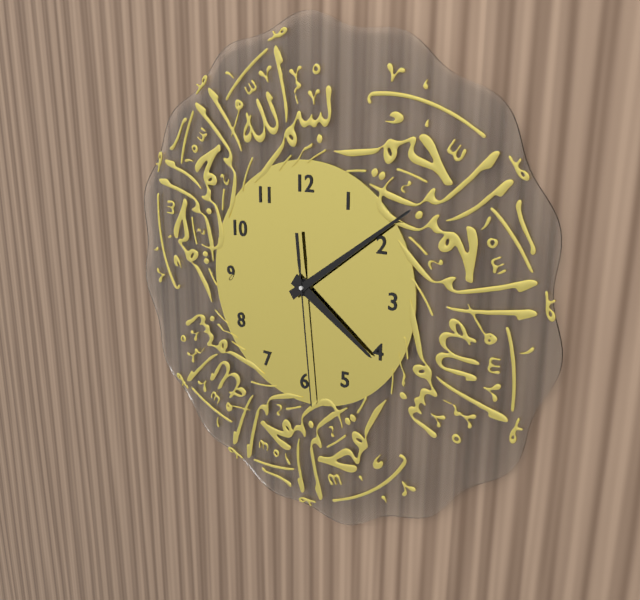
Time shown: {"hour": 4, "minute": 9, "second": 29}
